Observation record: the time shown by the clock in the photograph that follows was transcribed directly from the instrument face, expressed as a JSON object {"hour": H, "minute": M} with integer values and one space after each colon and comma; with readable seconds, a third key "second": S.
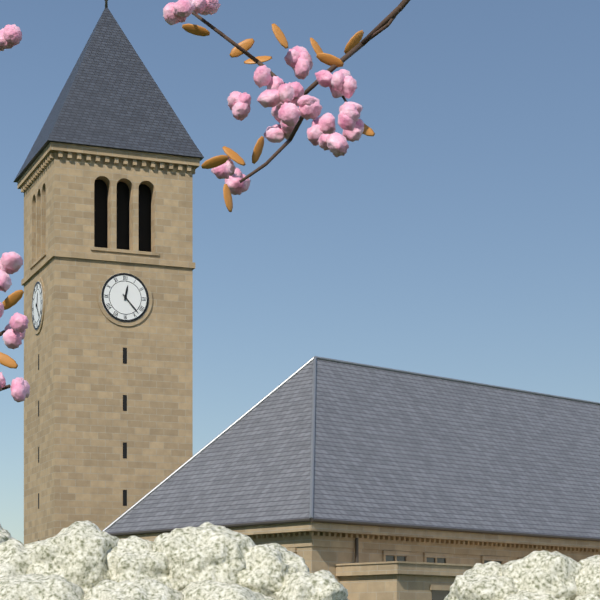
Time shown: {"hour": 12, "minute": 23}
